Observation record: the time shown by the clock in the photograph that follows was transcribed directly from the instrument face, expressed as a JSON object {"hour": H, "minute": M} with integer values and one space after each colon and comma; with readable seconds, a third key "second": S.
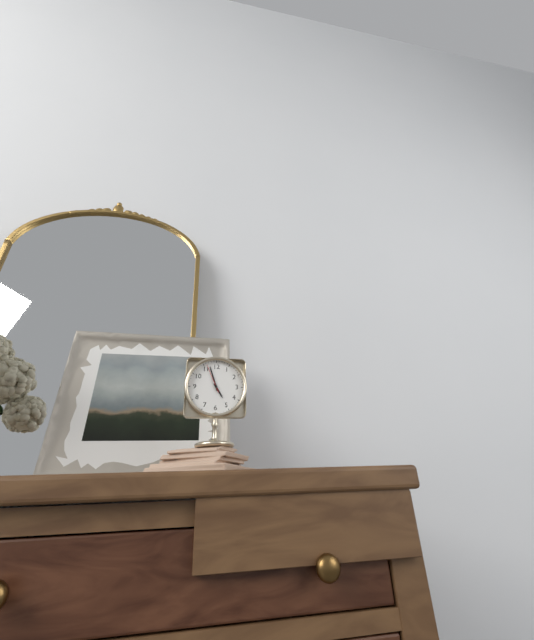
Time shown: {"hour": 4, "minute": 57}
